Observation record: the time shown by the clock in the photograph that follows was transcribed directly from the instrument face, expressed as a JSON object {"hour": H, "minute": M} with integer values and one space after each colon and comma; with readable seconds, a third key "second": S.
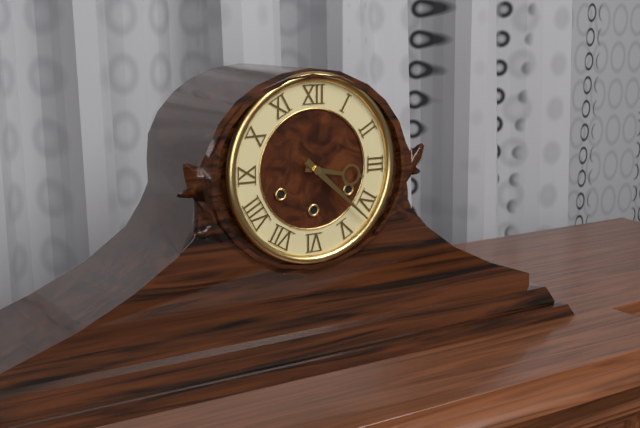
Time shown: {"hour": 3, "minute": 22}
